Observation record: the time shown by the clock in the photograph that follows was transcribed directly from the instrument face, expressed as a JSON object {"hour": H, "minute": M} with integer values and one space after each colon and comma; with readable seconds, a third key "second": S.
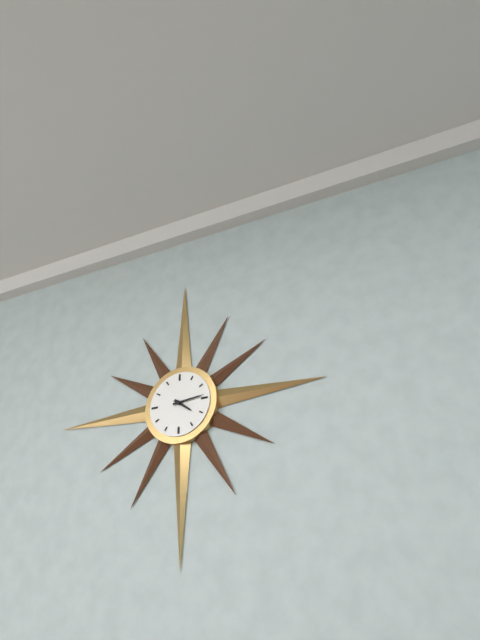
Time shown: {"hour": 4, "minute": 14}
